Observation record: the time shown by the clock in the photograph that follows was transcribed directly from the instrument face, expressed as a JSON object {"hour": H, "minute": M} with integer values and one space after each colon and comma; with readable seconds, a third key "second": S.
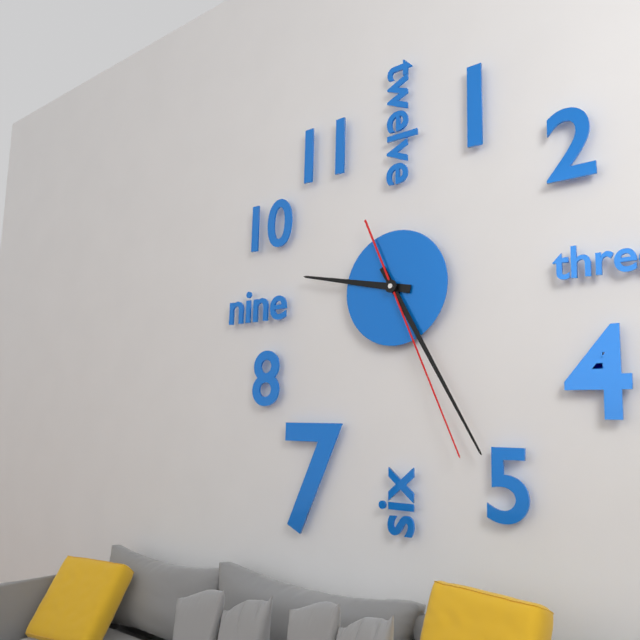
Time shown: {"hour": 9, "minute": 25, "second": 26}
